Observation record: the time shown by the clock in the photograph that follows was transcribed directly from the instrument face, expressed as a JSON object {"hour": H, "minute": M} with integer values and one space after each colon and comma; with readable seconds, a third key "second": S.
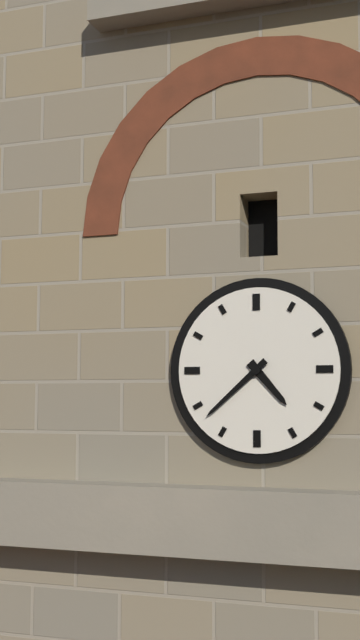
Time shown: {"hour": 4, "minute": 38}
